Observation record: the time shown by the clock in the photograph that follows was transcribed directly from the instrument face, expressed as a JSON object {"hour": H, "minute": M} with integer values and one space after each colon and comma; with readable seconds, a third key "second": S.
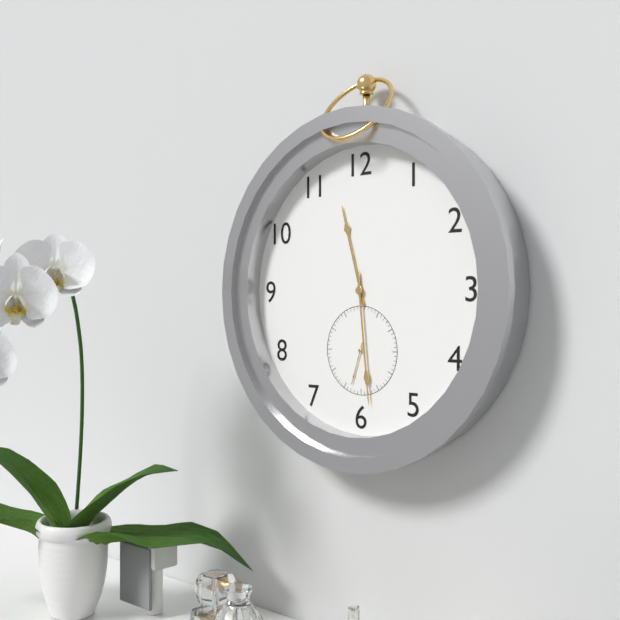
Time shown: {"hour": 11, "minute": 29}
